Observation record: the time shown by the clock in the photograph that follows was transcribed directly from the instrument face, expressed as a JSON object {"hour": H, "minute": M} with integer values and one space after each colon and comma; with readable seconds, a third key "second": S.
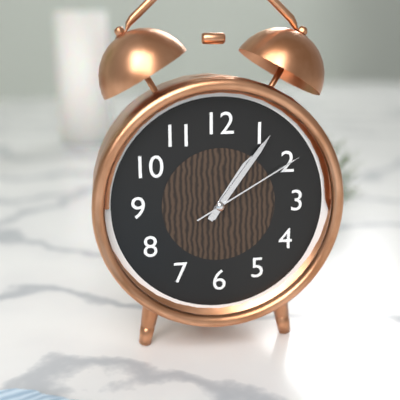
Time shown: {"hour": 1, "minute": 6, "second": 10}
